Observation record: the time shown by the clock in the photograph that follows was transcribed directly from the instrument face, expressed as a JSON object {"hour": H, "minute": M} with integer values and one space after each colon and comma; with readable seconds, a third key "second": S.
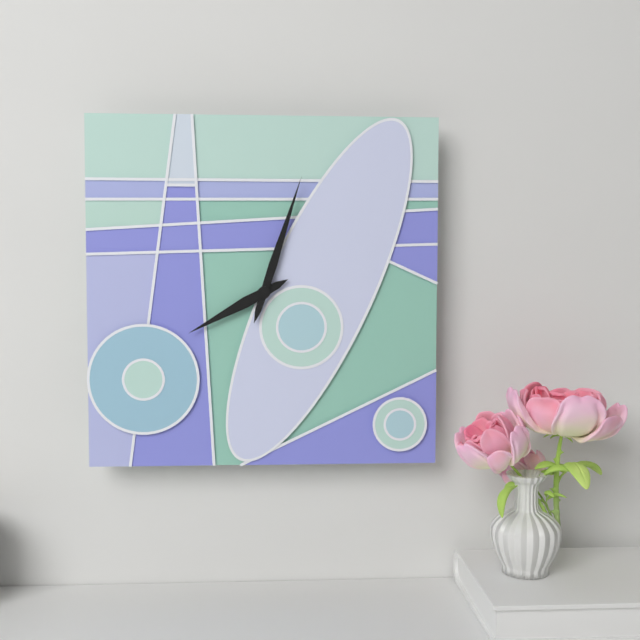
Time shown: {"hour": 8, "minute": 3}
